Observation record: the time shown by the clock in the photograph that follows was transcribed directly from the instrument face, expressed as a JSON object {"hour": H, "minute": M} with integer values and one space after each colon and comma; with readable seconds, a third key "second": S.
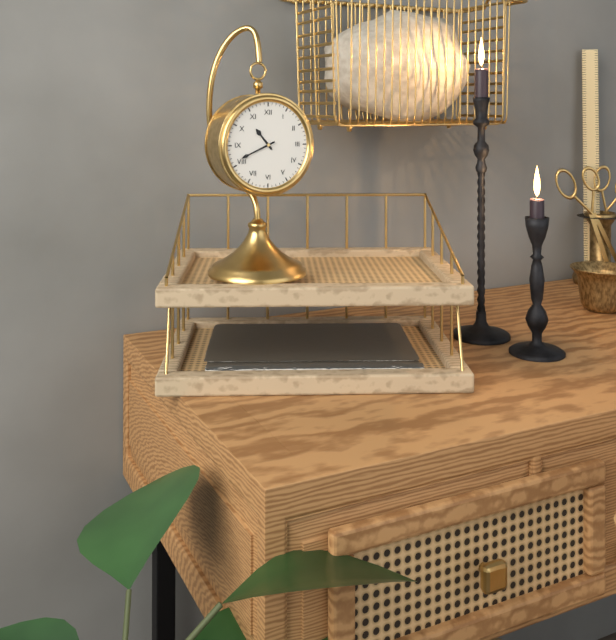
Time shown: {"hour": 10, "minute": 41}
